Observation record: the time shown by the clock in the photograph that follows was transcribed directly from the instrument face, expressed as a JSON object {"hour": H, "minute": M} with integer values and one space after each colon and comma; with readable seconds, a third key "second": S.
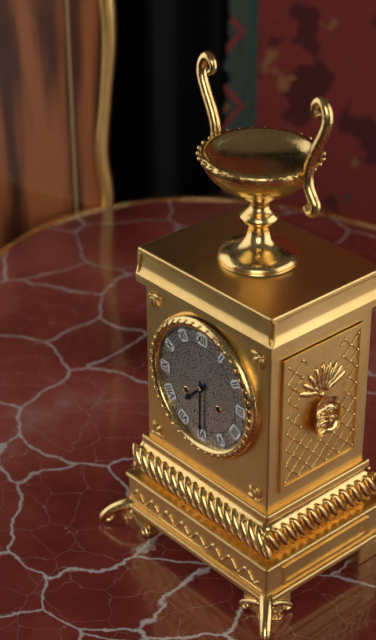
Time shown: {"hour": 7, "minute": 30}
